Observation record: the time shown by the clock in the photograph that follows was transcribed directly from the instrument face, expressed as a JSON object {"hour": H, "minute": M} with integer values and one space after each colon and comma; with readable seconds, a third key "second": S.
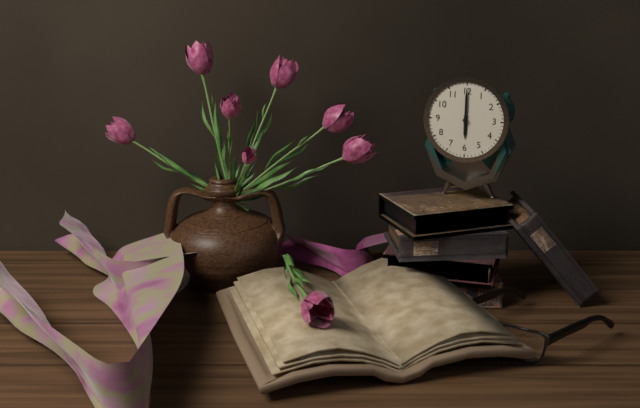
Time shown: {"hour": 6, "minute": 0}
